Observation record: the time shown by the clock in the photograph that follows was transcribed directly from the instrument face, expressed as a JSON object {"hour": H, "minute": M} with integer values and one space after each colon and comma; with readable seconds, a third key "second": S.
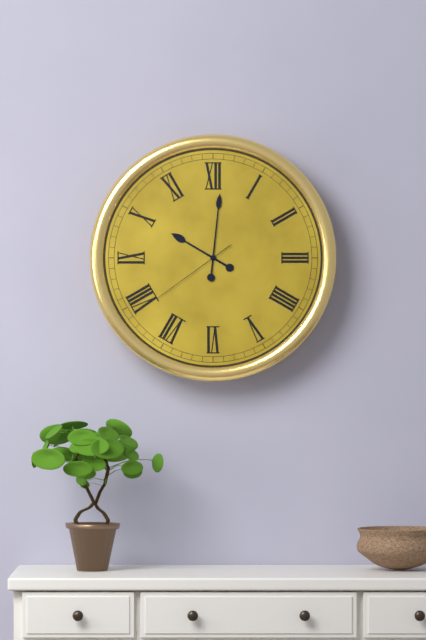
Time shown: {"hour": 10, "minute": 1, "second": 39}
